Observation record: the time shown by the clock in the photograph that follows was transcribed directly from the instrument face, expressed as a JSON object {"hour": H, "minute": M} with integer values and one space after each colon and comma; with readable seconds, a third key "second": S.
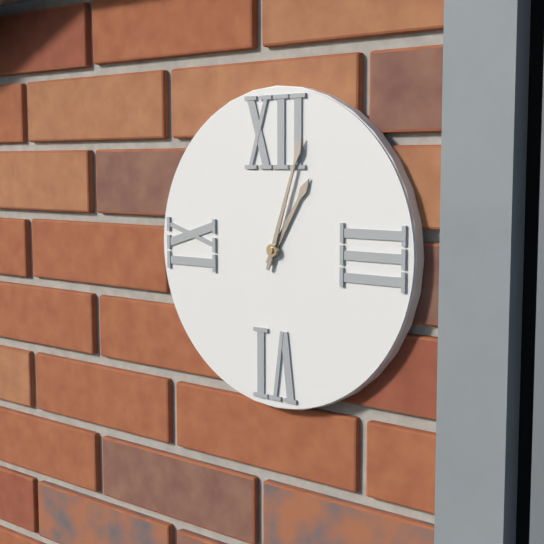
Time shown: {"hour": 1, "minute": 3}
